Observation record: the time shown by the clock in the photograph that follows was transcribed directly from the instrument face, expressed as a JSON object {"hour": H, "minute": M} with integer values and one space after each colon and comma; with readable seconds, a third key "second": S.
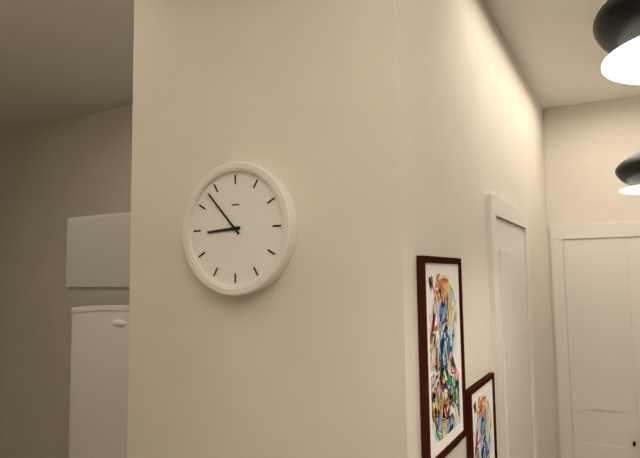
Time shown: {"hour": 8, "minute": 53}
